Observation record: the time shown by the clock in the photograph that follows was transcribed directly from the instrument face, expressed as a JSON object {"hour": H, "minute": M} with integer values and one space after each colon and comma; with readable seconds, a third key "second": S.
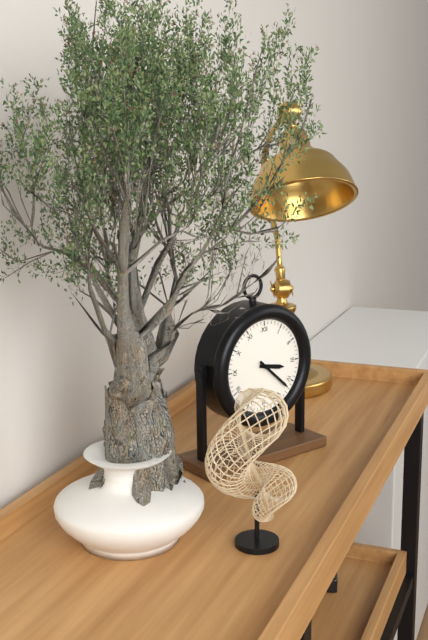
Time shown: {"hour": 3, "minute": 22}
